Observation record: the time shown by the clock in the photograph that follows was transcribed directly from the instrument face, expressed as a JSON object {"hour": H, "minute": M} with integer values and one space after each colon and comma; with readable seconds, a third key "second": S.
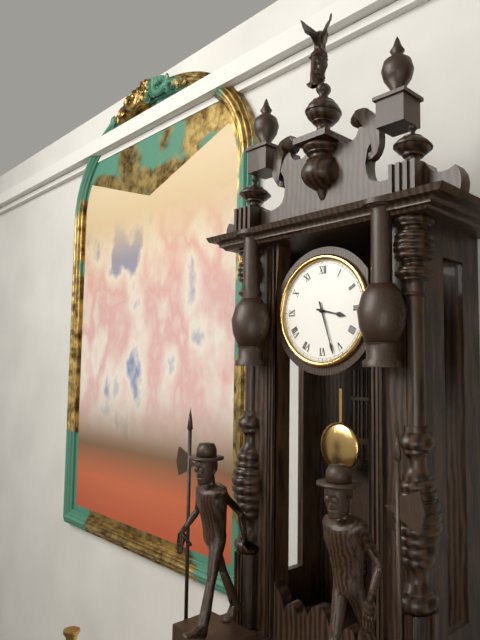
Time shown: {"hour": 3, "minute": 27}
